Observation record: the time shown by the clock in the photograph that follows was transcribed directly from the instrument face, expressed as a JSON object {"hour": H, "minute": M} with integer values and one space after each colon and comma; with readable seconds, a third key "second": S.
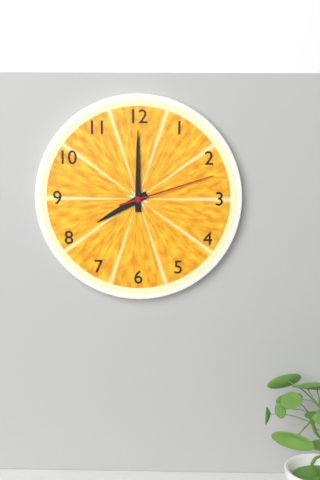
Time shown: {"hour": 8, "minute": 0, "second": 12}
